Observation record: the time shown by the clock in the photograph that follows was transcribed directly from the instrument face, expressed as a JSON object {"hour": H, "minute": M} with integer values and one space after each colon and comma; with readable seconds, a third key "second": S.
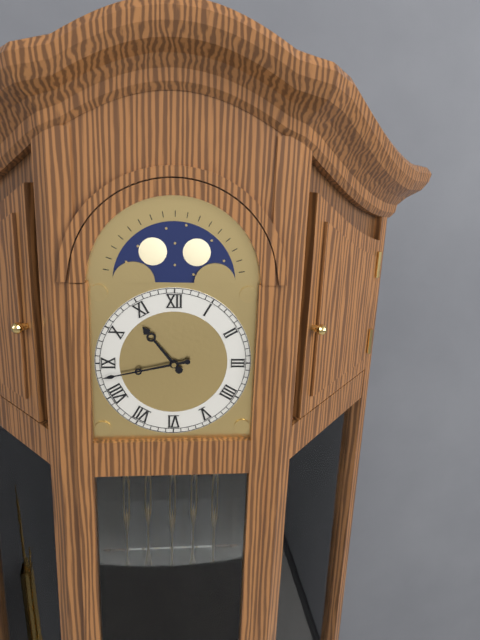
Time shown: {"hour": 10, "minute": 43}
